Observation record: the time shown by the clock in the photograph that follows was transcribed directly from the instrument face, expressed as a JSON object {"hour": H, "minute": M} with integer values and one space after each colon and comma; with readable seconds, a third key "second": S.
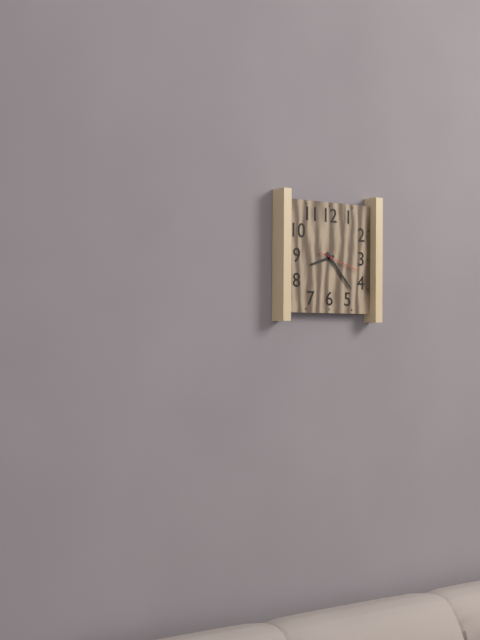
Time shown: {"hour": 8, "minute": 23}
